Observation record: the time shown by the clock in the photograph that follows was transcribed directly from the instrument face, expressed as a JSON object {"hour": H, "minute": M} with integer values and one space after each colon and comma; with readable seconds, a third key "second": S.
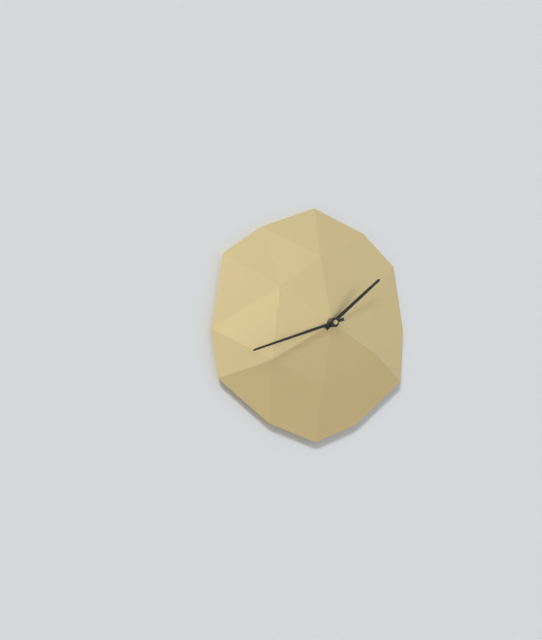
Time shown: {"hour": 1, "minute": 42}
